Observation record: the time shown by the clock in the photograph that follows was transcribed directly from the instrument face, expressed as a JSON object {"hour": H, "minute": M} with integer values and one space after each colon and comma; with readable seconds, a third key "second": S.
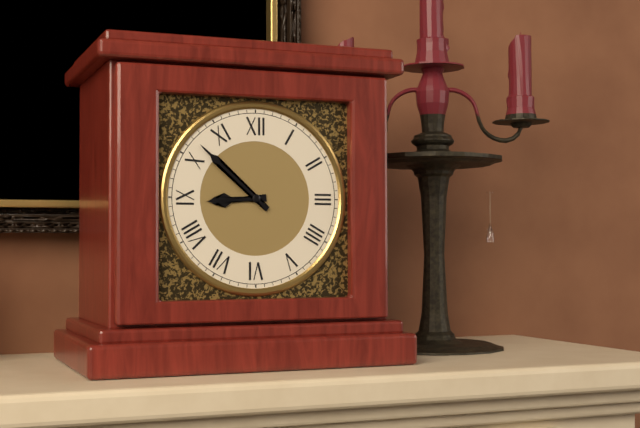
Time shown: {"hour": 8, "minute": 52}
